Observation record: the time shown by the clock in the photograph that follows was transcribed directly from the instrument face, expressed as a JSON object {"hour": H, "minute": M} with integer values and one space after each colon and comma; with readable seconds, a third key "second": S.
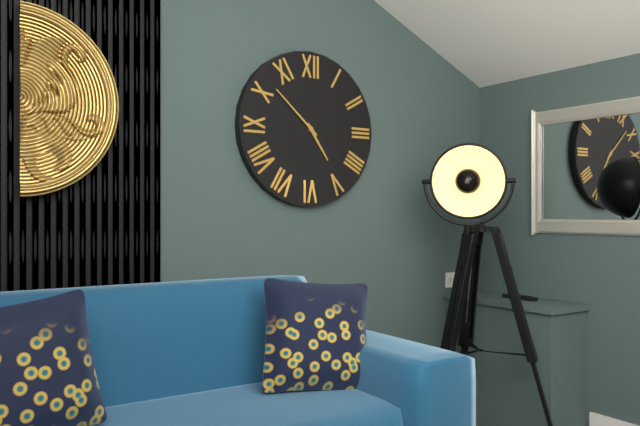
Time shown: {"hour": 4, "minute": 52}
